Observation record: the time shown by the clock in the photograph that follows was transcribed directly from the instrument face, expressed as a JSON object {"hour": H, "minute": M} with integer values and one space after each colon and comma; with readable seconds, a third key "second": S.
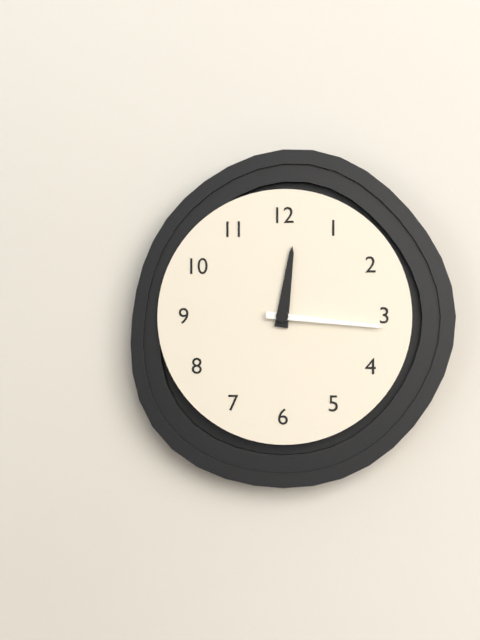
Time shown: {"hour": 12, "minute": 16}
